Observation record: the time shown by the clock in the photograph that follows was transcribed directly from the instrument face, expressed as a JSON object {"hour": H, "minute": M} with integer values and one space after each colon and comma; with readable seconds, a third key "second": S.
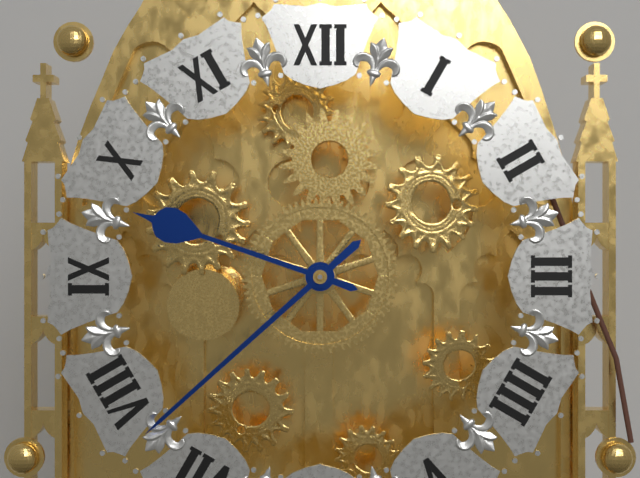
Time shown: {"hour": 9, "minute": 38}
